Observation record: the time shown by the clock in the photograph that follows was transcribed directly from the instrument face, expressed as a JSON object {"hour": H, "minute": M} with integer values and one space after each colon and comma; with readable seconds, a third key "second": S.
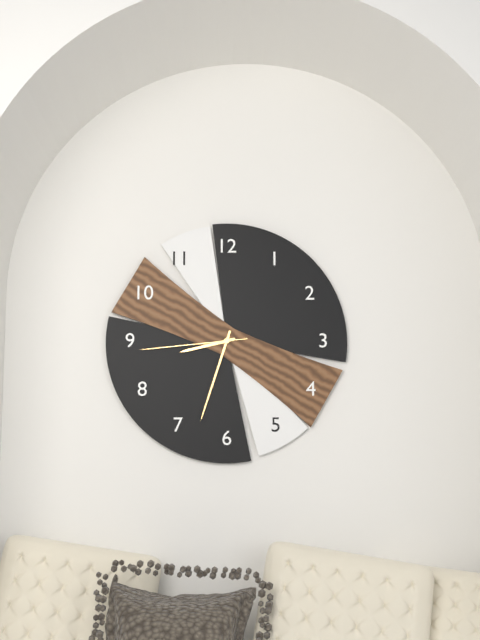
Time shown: {"hour": 8, "minute": 33, "second": 44}
